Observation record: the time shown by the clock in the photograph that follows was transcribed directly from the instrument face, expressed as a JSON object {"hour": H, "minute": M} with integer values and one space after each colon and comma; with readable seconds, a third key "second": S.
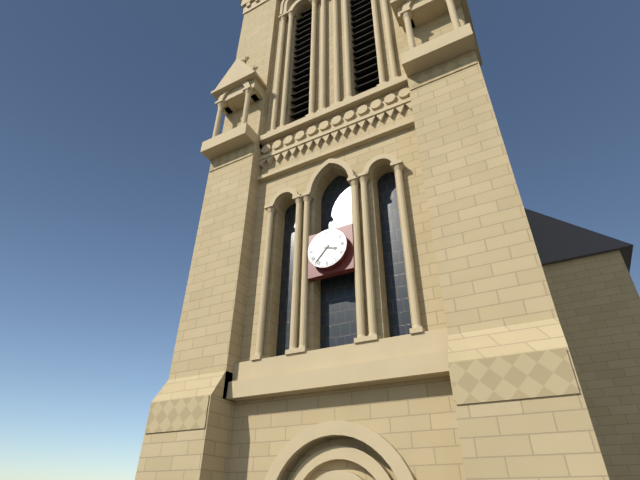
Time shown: {"hour": 3, "minute": 37}
